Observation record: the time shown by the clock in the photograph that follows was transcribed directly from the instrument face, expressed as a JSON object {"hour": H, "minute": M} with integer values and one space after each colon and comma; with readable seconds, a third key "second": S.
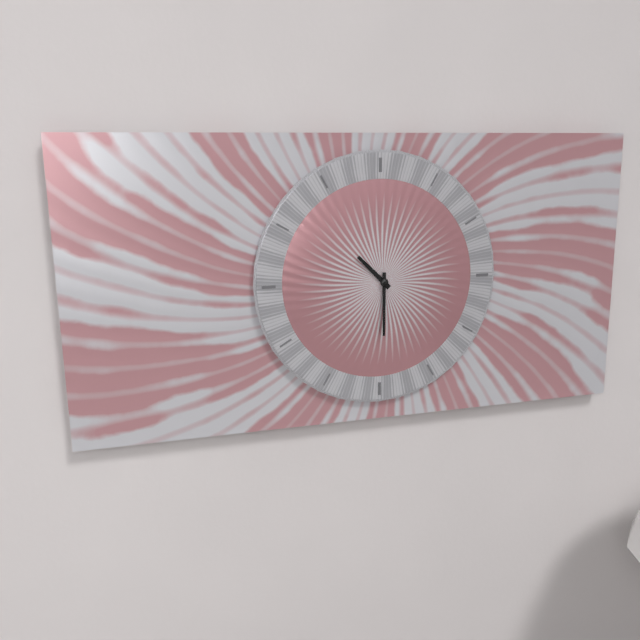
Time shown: {"hour": 10, "minute": 30}
